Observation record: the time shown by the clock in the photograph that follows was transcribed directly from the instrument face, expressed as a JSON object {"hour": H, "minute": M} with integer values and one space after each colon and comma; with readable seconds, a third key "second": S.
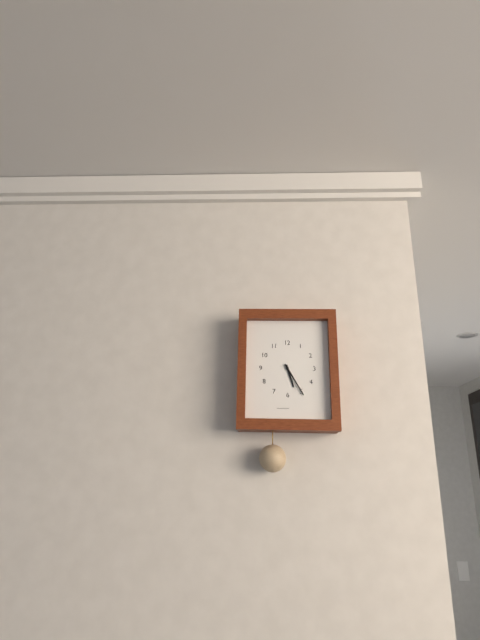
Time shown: {"hour": 5, "minute": 25}
